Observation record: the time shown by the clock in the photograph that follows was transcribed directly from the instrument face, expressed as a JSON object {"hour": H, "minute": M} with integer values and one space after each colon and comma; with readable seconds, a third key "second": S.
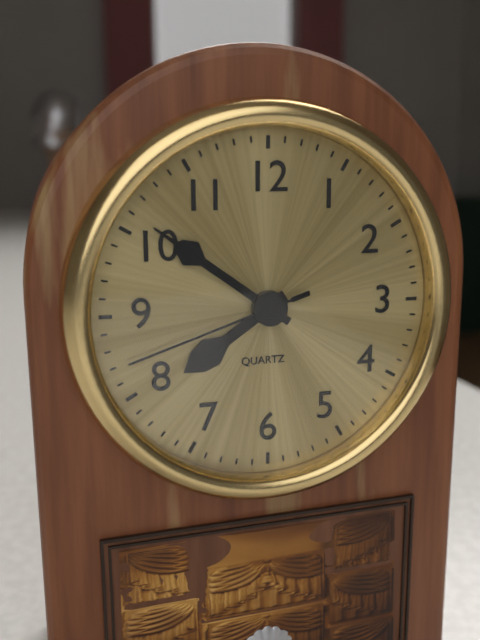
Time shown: {"hour": 7, "minute": 51, "second": 42}
